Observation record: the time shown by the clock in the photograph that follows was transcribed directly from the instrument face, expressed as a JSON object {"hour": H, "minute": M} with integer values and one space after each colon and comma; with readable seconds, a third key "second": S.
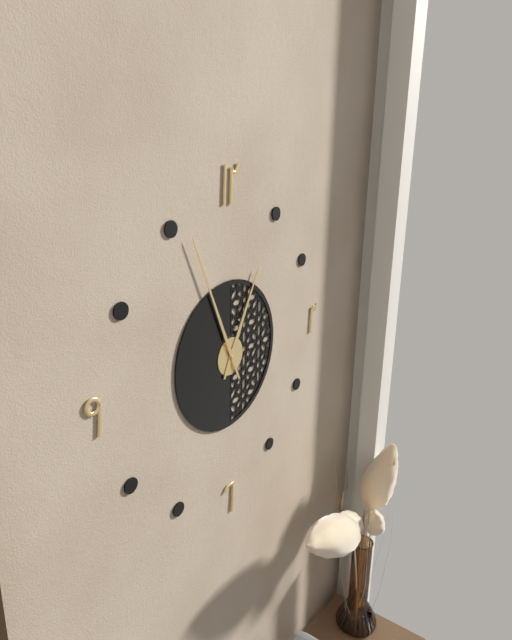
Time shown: {"hour": 12, "minute": 56}
